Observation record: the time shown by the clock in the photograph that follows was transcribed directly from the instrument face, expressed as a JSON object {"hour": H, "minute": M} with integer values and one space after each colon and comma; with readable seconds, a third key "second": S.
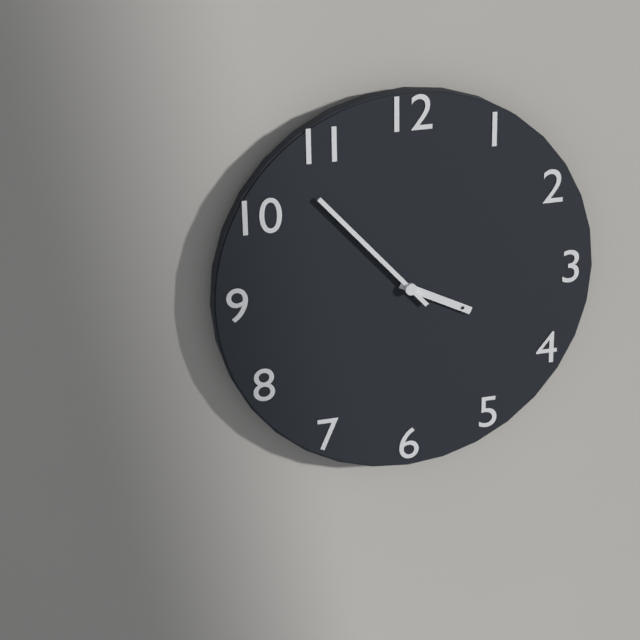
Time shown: {"hour": 3, "minute": 53}
